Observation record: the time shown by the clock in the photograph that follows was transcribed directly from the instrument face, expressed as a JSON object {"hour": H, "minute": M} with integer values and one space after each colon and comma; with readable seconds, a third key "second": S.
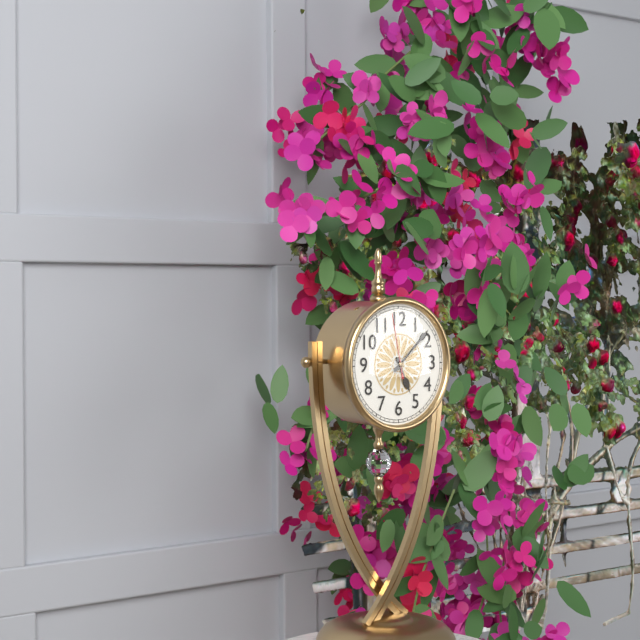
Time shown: {"hour": 5, "minute": 8, "second": 58}
